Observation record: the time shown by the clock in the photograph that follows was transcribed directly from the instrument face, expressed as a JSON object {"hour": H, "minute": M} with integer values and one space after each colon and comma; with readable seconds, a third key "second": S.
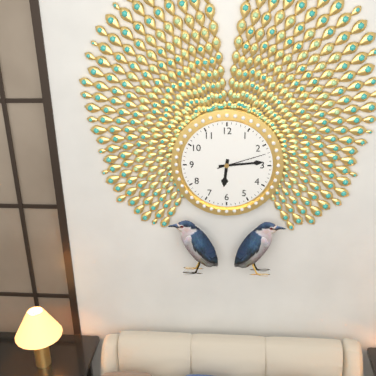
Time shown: {"hour": 6, "minute": 14, "second": 12}
